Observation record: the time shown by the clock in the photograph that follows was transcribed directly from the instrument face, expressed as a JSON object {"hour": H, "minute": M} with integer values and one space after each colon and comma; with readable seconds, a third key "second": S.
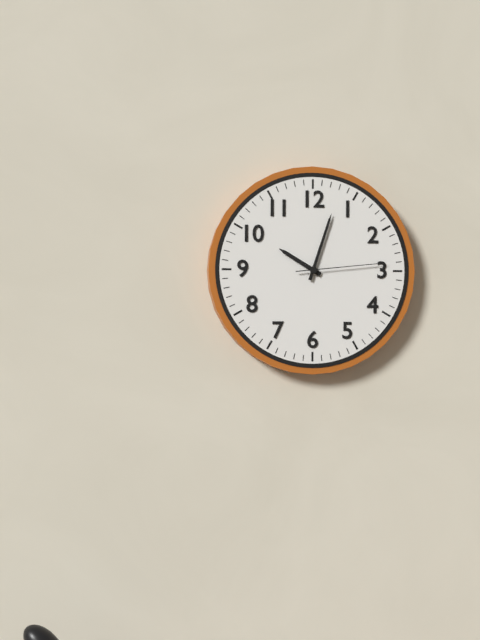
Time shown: {"hour": 10, "minute": 3, "second": 14}
